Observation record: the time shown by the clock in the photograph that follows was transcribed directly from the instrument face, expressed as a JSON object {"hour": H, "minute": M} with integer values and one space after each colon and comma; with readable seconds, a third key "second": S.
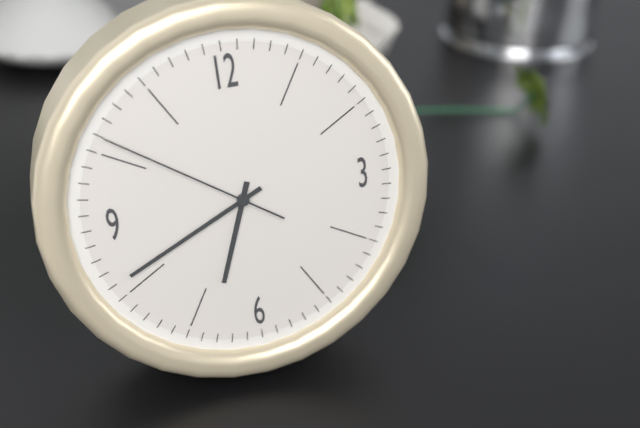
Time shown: {"hour": 6, "minute": 41, "second": 51}
